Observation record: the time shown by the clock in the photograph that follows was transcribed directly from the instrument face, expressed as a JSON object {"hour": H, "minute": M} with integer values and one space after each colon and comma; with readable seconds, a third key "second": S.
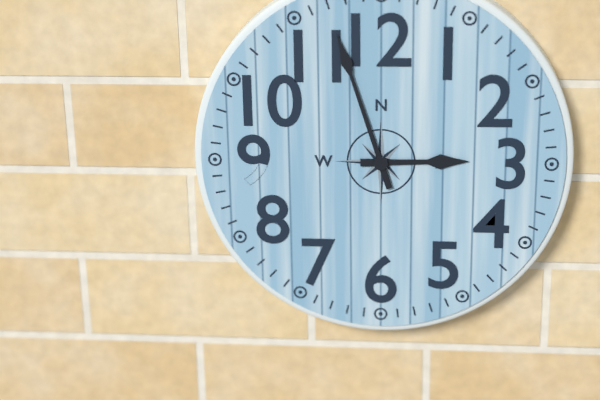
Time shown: {"hour": 2, "minute": 57}
